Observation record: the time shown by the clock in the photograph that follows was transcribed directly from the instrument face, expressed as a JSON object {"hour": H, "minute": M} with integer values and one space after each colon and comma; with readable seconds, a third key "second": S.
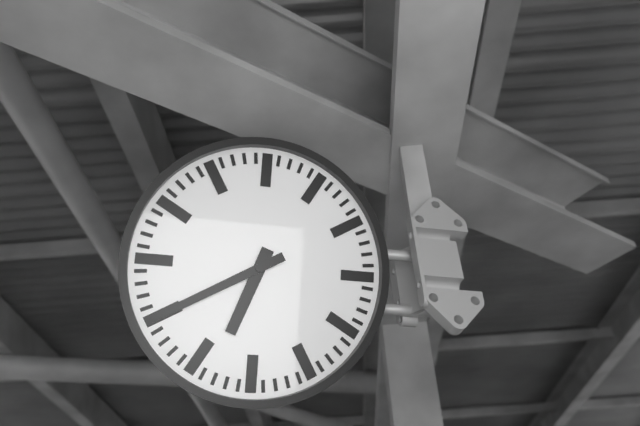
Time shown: {"hour": 6, "minute": 40}
